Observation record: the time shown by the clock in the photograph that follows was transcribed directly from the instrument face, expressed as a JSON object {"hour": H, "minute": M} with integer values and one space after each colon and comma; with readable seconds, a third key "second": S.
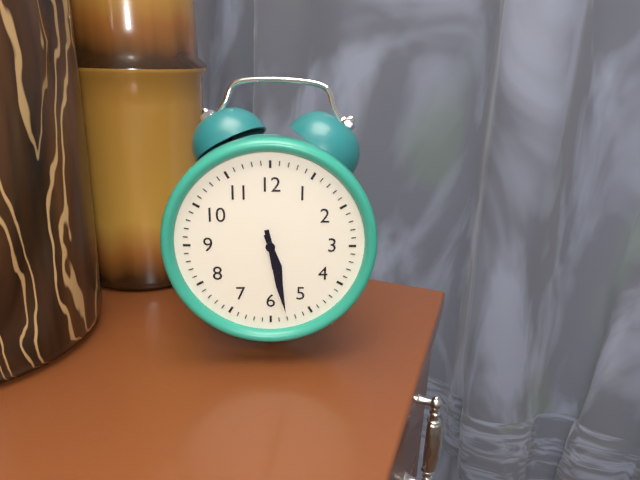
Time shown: {"hour": 5, "minute": 28}
